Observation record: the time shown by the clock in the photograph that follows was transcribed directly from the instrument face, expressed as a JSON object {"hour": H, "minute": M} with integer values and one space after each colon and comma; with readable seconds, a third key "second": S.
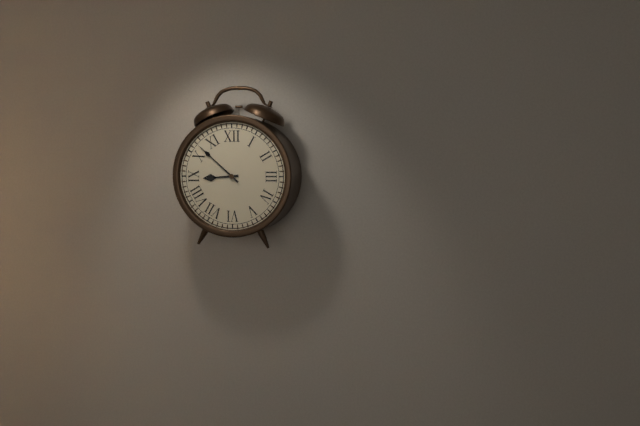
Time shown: {"hour": 8, "minute": 52}
